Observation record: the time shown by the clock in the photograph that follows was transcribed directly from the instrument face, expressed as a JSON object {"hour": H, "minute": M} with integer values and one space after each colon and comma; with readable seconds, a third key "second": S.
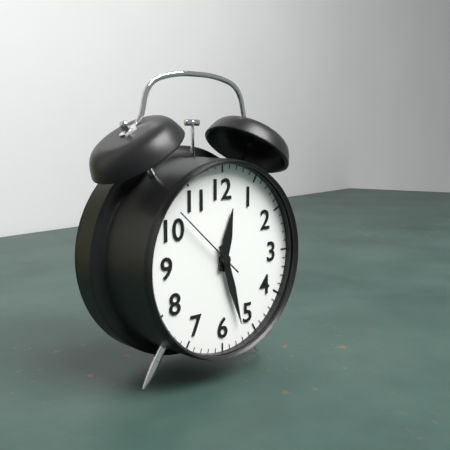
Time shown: {"hour": 12, "minute": 27, "second": 52}
